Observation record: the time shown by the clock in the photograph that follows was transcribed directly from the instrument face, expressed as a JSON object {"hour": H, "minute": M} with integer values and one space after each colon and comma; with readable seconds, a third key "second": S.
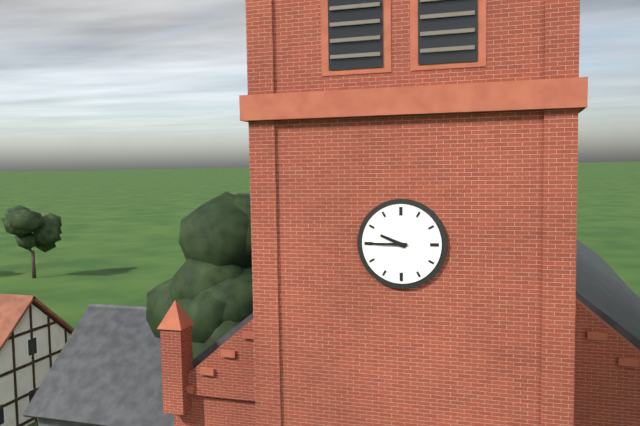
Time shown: {"hour": 9, "minute": 45}
